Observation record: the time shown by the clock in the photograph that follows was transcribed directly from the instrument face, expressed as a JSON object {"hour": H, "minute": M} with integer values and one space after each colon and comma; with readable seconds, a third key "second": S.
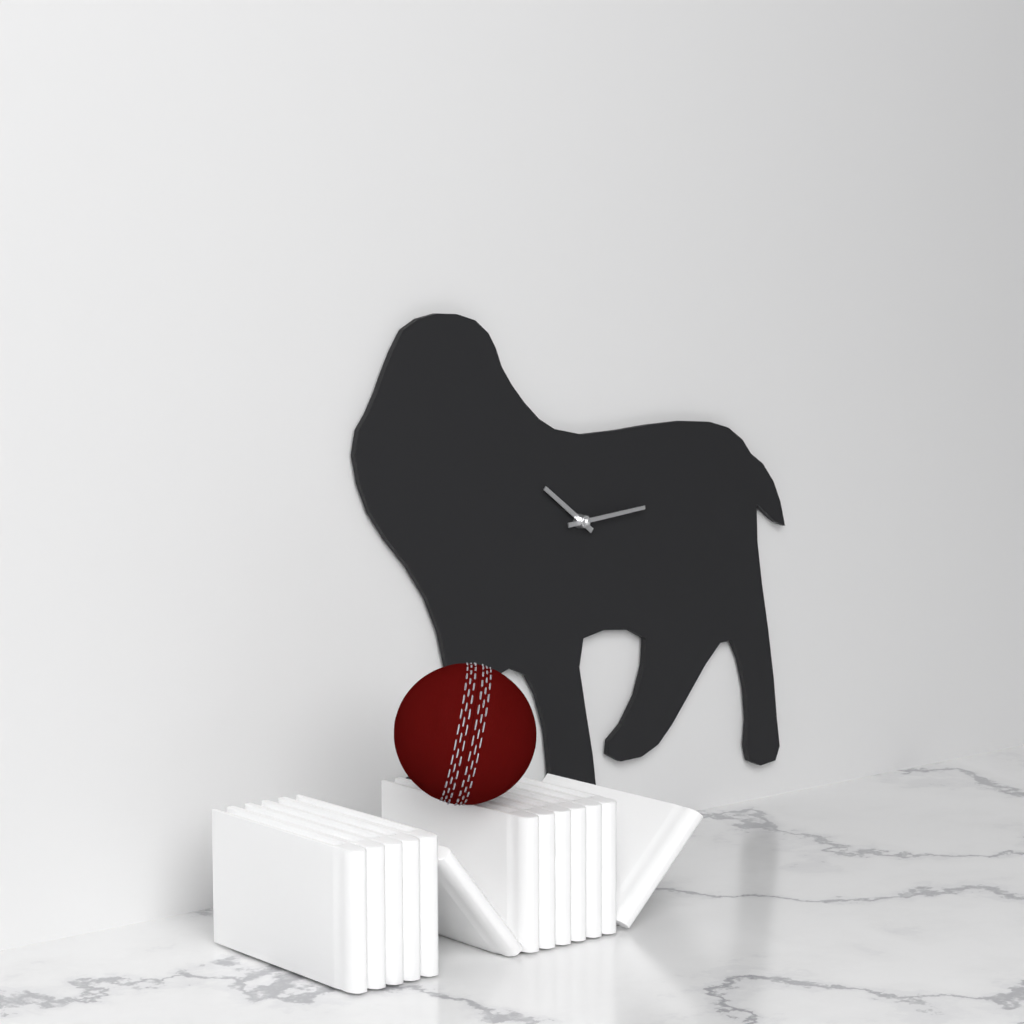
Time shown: {"hour": 10, "minute": 14}
